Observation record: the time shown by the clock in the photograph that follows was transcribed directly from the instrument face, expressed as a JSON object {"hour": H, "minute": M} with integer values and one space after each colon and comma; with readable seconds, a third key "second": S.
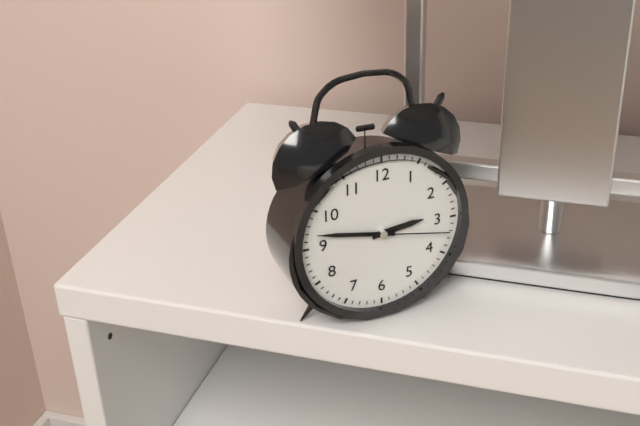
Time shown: {"hour": 2, "minute": 47, "second": 17}
